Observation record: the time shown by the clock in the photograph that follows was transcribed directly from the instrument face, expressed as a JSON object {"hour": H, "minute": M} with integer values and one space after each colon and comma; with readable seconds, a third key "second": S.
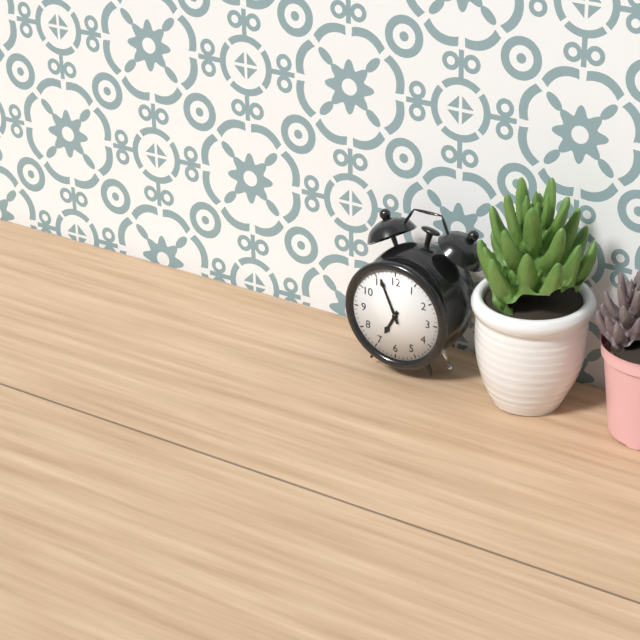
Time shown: {"hour": 6, "minute": 56}
